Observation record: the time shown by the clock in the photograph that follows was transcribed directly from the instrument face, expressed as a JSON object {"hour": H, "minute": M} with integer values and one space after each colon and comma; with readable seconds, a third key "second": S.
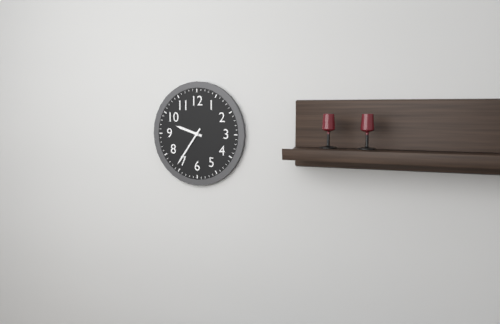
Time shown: {"hour": 9, "minute": 36}
